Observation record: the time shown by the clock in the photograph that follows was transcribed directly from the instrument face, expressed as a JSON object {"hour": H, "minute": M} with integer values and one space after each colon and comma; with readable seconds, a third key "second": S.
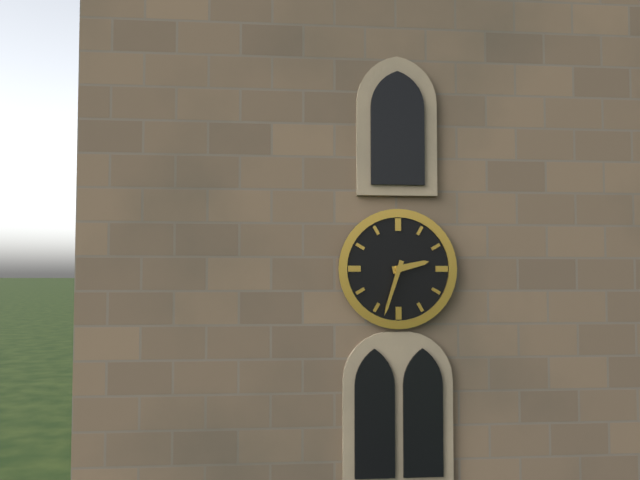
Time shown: {"hour": 2, "minute": 33}
